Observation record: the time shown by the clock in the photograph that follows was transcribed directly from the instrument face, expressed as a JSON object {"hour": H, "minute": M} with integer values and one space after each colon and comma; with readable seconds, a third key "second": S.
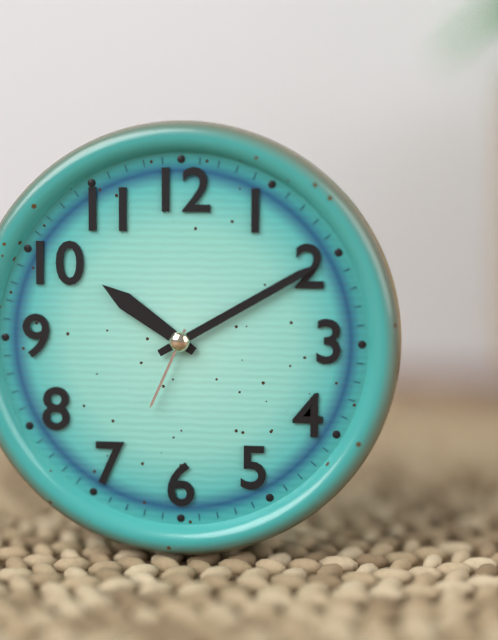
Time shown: {"hour": 10, "minute": 10, "second": 34}
